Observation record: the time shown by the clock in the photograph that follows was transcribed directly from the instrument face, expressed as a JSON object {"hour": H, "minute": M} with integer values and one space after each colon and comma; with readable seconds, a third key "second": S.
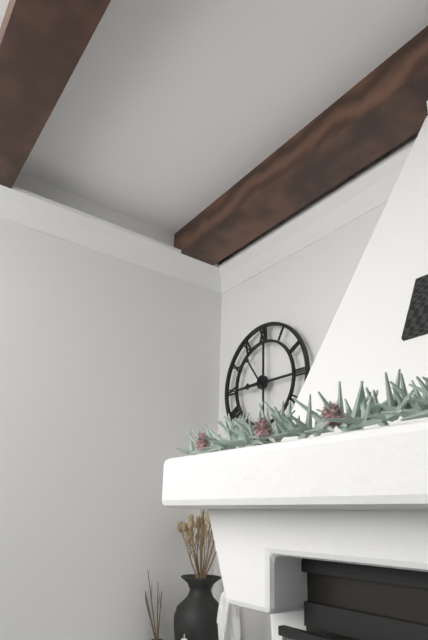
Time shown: {"hour": 8, "minute": 54}
